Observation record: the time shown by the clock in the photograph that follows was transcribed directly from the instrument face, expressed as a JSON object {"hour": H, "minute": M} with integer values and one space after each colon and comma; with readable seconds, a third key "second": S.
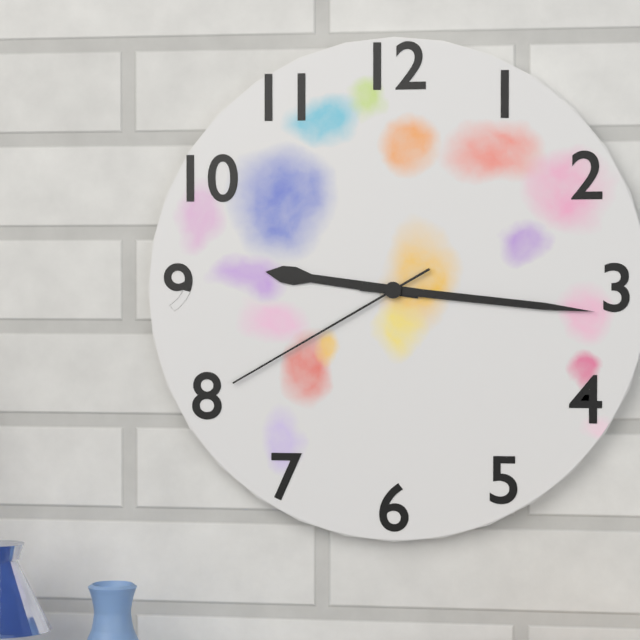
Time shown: {"hour": 9, "minute": 16, "second": 40}
